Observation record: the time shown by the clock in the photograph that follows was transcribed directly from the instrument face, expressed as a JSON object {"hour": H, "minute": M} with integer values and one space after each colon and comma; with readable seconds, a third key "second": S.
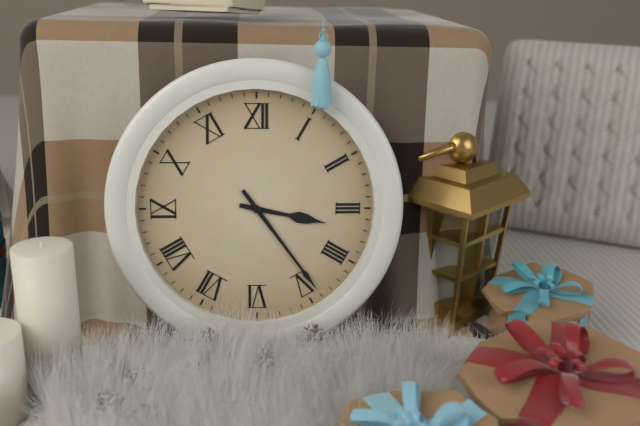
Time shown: {"hour": 3, "minute": 24}
